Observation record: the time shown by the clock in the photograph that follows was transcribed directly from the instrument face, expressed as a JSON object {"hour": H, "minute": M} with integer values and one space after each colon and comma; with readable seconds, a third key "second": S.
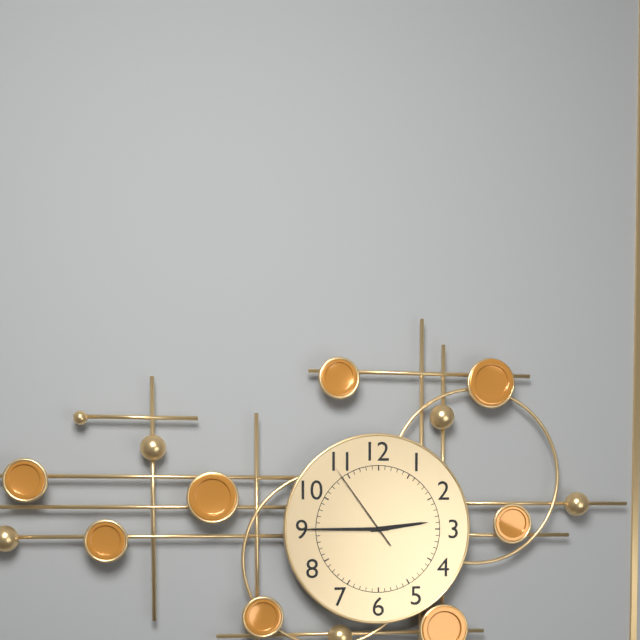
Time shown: {"hour": 2, "minute": 45, "second": 54}
